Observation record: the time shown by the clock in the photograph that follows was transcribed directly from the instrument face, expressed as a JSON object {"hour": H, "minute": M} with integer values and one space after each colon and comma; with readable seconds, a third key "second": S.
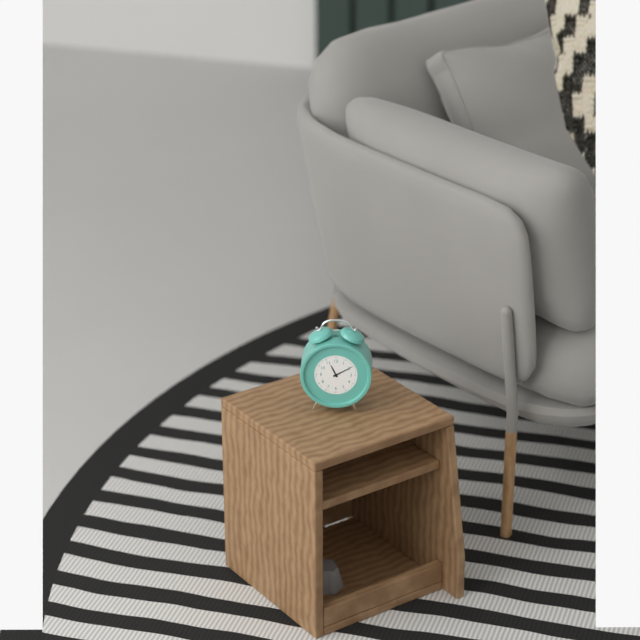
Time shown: {"hour": 11, "minute": 10}
